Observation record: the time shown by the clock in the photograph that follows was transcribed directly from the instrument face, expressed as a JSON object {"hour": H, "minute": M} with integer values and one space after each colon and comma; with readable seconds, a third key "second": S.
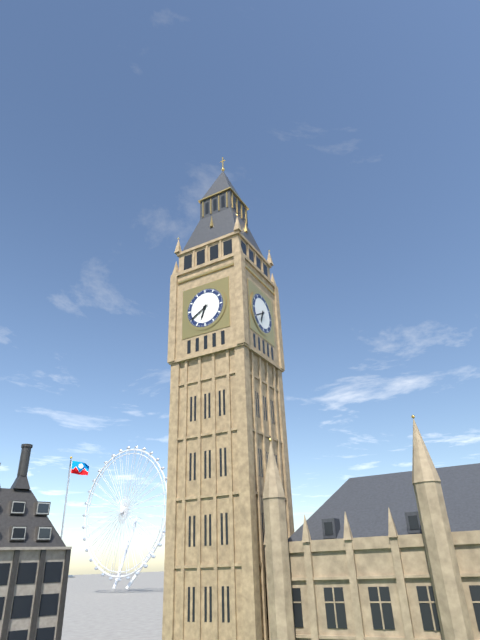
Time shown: {"hour": 6, "minute": 40}
